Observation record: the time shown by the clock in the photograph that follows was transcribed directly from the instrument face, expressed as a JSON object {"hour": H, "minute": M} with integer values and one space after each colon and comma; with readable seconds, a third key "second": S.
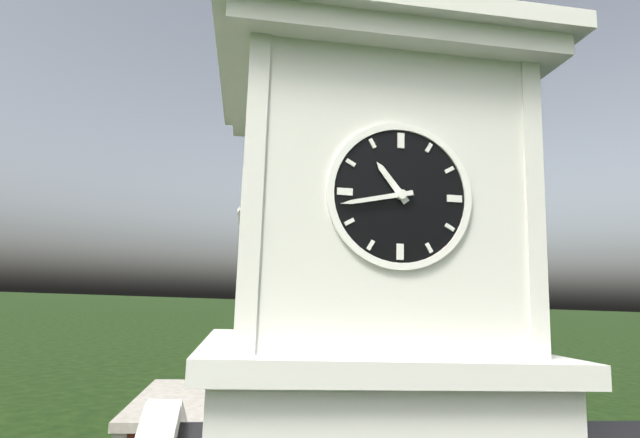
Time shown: {"hour": 10, "minute": 43}
